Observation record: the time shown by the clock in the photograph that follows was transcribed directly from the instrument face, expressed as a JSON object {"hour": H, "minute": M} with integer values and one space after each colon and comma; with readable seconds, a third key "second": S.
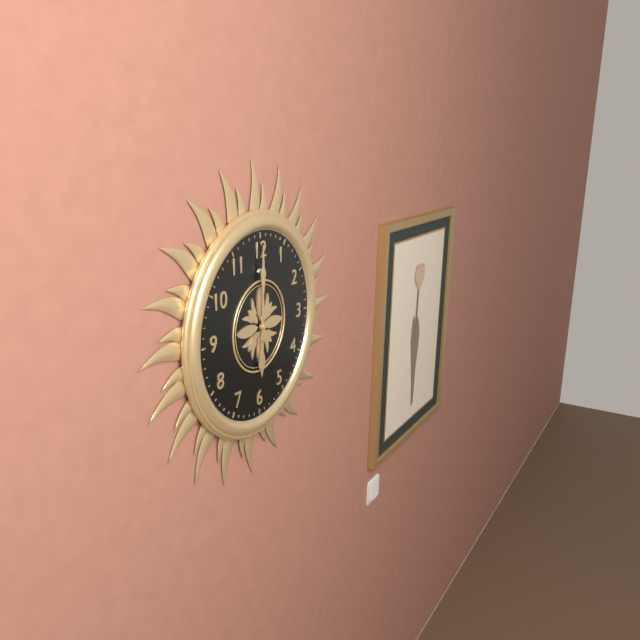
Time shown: {"hour": 6, "minute": 0}
